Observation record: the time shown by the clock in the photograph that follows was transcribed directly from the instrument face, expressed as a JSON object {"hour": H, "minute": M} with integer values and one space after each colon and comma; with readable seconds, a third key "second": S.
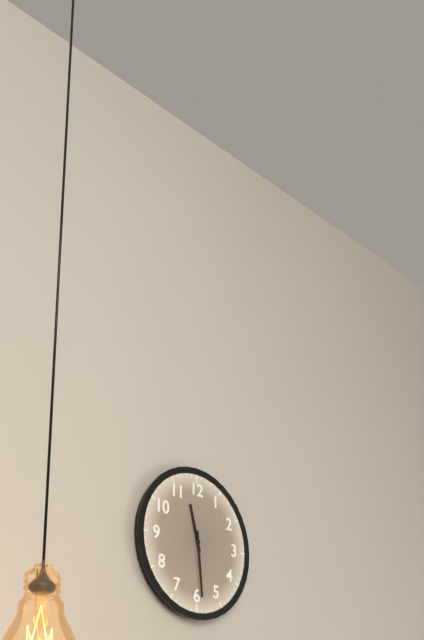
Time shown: {"hour": 11, "minute": 29}
